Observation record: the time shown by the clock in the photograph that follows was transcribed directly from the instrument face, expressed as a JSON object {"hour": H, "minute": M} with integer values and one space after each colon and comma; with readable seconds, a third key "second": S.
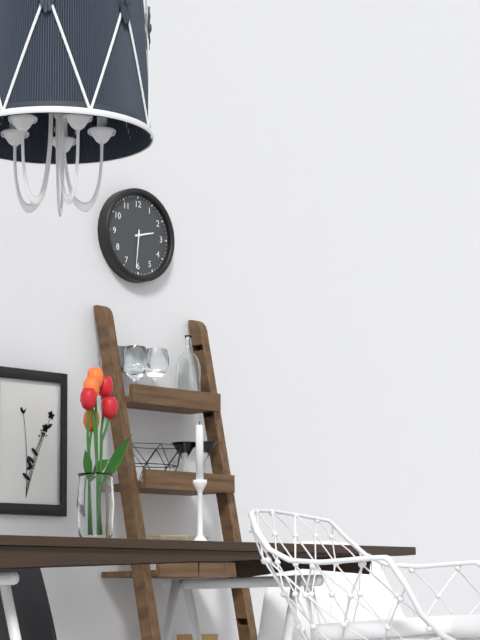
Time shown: {"hour": 2, "minute": 31}
